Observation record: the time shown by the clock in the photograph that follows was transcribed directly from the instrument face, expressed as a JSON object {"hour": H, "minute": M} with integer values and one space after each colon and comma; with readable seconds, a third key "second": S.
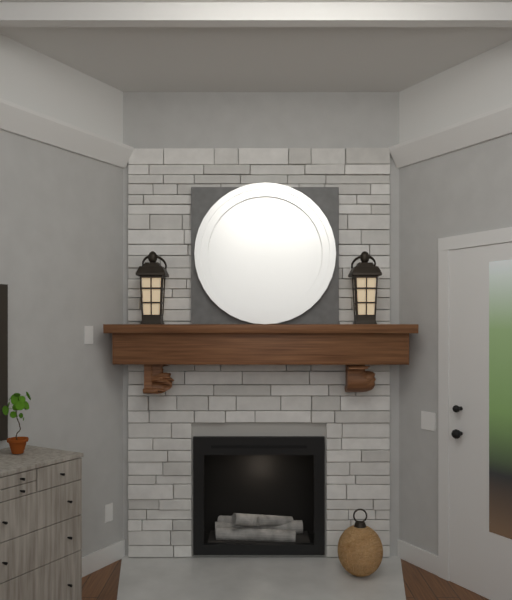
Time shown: {"hour": 4, "minute": 33}
